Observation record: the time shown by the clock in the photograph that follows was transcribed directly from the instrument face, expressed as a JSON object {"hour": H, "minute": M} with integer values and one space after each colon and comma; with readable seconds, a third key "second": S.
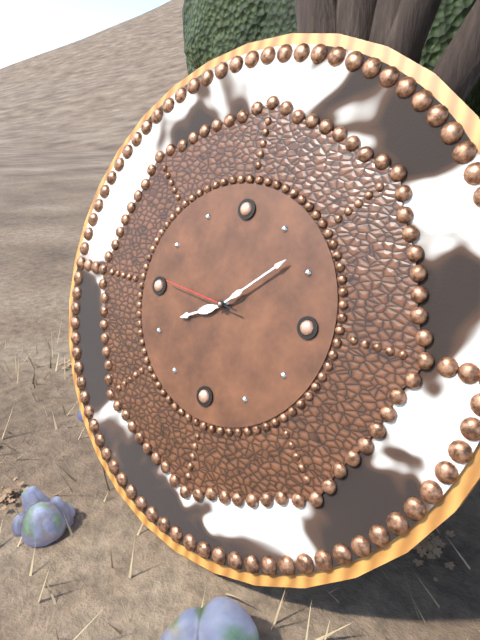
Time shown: {"hour": 8, "minute": 8, "second": 46}
